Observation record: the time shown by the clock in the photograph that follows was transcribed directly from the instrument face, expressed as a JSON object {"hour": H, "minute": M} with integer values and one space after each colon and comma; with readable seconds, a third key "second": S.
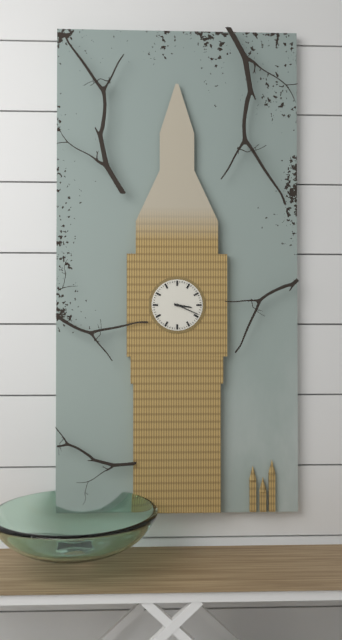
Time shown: {"hour": 3, "minute": 19}
